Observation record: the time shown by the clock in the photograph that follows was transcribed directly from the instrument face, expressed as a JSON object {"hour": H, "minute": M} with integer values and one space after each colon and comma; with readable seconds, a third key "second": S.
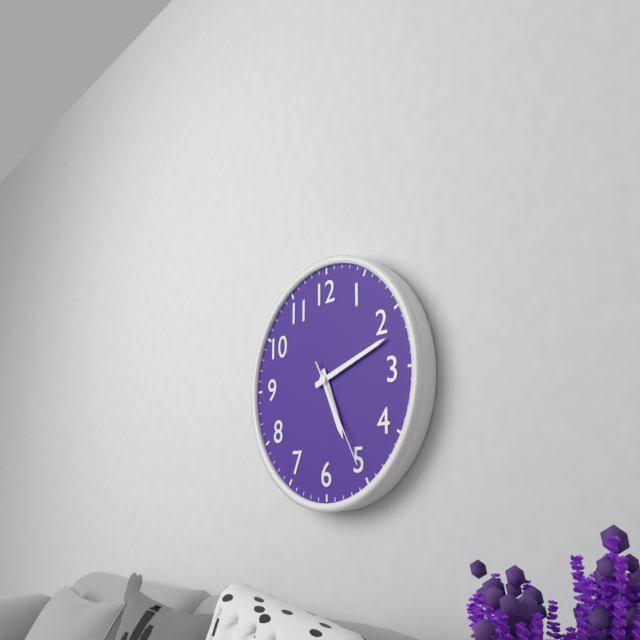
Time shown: {"hour": 5, "minute": 12, "second": 25}
